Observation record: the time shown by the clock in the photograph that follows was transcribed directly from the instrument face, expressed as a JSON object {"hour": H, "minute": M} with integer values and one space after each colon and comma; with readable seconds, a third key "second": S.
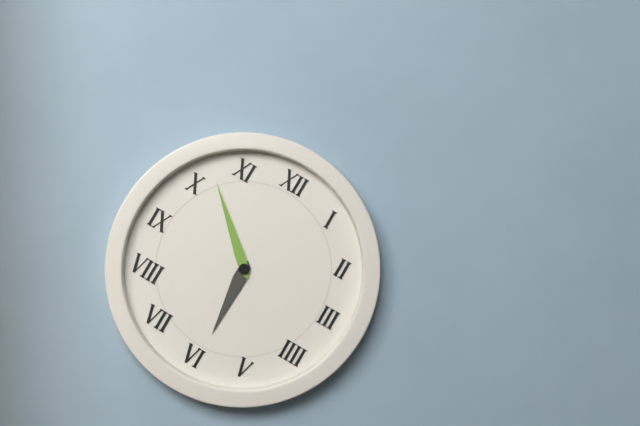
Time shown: {"hour": 5, "minute": 52}
